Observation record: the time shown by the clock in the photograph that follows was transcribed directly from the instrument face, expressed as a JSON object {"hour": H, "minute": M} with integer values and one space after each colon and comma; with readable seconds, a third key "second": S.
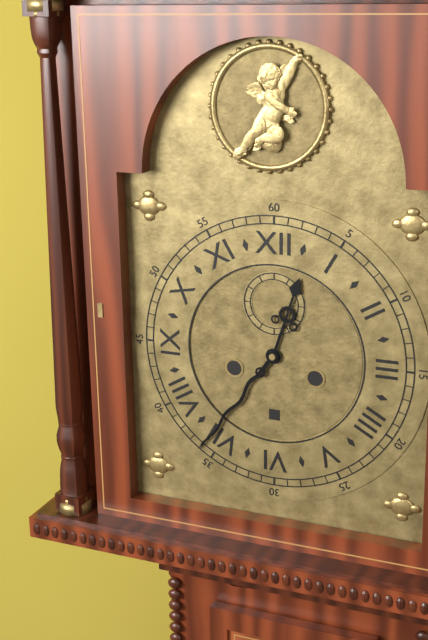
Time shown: {"hour": 12, "minute": 36}
